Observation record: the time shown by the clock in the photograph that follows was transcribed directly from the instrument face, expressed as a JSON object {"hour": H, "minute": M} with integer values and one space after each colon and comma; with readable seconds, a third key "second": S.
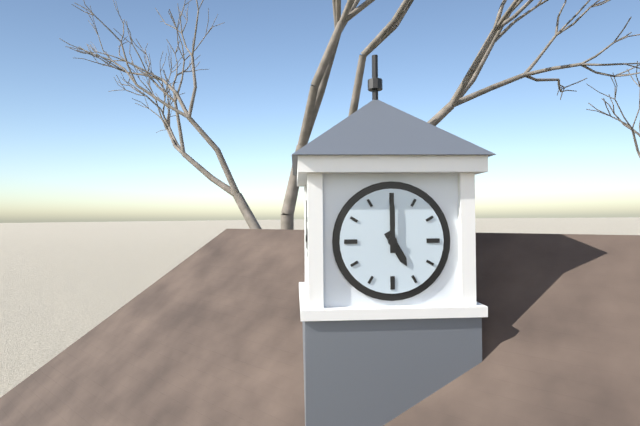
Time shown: {"hour": 5, "minute": 0}
